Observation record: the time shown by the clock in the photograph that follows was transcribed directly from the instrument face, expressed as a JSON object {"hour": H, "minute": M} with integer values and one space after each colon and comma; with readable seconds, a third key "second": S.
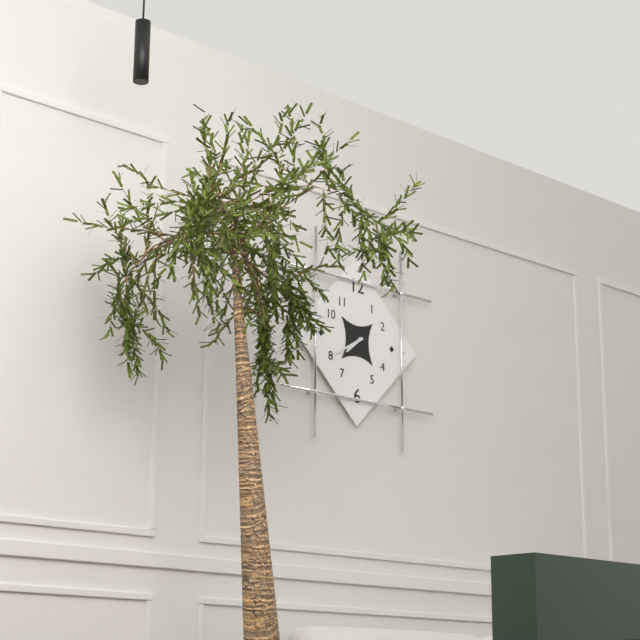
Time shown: {"hour": 7, "minute": 40}
